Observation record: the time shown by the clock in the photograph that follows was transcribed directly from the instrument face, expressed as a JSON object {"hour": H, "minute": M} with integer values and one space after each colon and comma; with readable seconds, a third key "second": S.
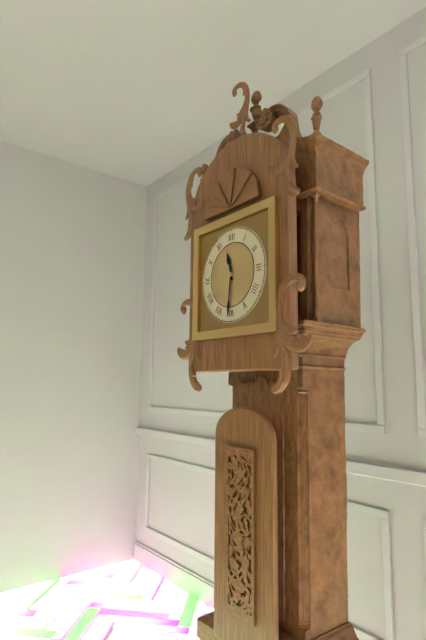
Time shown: {"hour": 11, "minute": 31}
